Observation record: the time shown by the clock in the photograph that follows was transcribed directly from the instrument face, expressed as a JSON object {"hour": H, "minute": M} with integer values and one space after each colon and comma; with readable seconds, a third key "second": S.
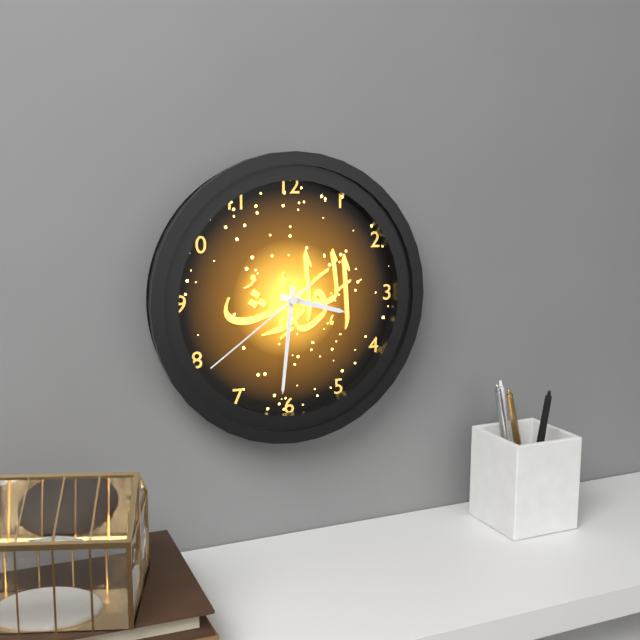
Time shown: {"hour": 3, "minute": 31, "second": 39}
